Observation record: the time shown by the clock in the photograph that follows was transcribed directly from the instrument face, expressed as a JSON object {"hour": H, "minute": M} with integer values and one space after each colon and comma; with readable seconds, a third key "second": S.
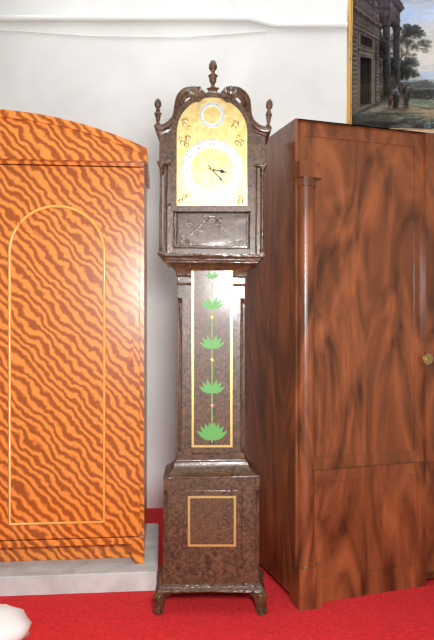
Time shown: {"hour": 3, "minute": 23}
